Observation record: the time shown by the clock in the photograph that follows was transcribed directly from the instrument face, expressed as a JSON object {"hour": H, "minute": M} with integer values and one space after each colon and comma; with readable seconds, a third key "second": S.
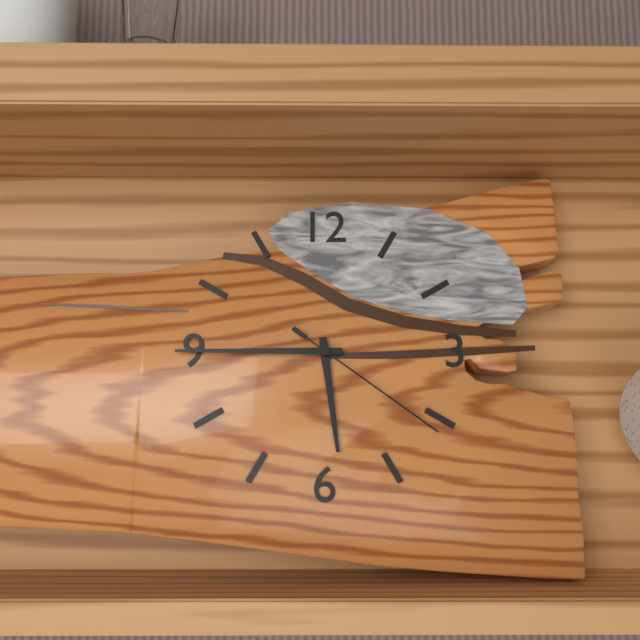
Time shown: {"hour": 5, "minute": 45, "second": 21}
